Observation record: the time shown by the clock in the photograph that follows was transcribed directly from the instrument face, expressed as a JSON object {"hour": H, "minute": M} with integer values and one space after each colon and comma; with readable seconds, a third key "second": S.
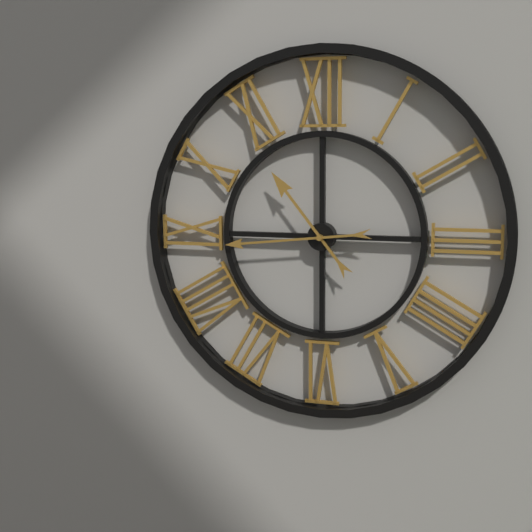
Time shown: {"hour": 10, "minute": 44}
